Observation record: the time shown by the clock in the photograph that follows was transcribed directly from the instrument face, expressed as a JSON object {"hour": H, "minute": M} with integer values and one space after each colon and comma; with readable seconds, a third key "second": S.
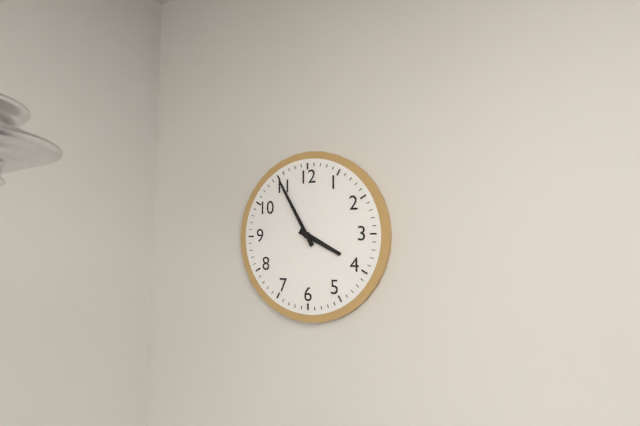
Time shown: {"hour": 3, "minute": 55}
